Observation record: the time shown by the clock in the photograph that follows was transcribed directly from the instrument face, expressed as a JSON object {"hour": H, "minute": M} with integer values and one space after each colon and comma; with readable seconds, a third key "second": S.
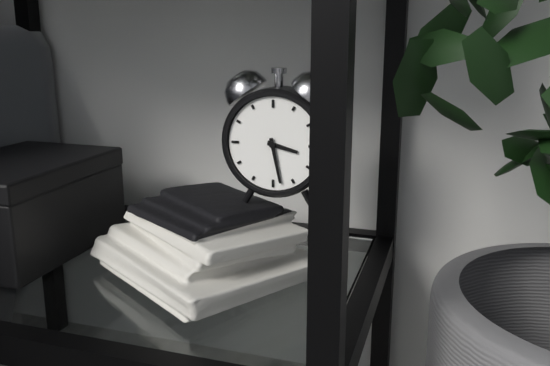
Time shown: {"hour": 3, "minute": 28}
